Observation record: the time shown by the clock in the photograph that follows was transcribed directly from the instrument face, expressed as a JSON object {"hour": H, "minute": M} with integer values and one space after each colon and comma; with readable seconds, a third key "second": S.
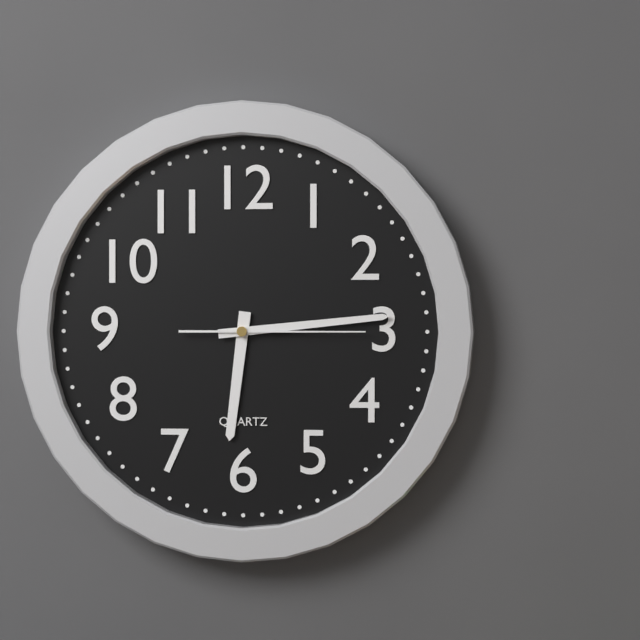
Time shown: {"hour": 6, "minute": 14, "second": 15}
